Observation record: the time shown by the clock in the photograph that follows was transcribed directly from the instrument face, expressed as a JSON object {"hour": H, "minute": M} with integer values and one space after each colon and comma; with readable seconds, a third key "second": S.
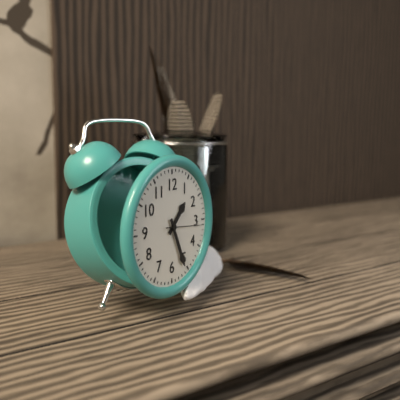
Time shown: {"hour": 1, "minute": 26}
